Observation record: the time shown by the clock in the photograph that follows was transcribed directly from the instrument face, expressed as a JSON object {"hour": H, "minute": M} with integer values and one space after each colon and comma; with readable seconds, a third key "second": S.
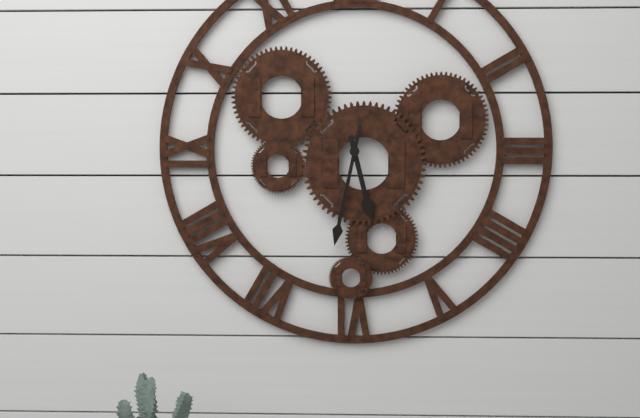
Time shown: {"hour": 5, "minute": 32}
